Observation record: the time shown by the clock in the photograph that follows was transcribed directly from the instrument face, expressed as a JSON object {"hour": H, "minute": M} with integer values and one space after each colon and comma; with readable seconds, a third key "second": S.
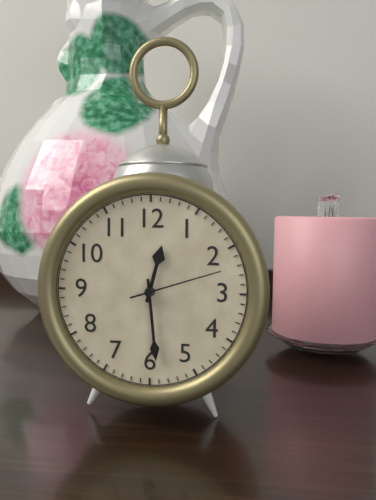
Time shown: {"hour": 12, "minute": 29, "second": 12}
